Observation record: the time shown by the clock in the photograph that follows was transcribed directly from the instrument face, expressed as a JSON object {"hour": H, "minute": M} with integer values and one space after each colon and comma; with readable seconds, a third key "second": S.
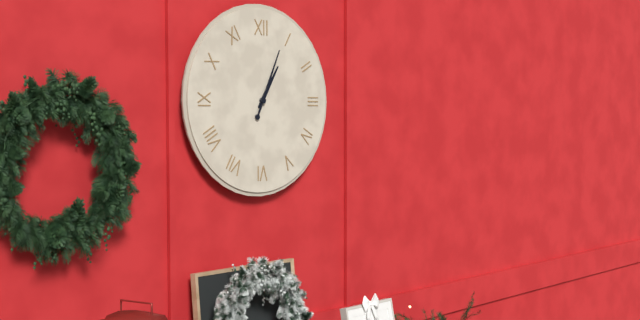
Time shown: {"hour": 1, "minute": 4}
